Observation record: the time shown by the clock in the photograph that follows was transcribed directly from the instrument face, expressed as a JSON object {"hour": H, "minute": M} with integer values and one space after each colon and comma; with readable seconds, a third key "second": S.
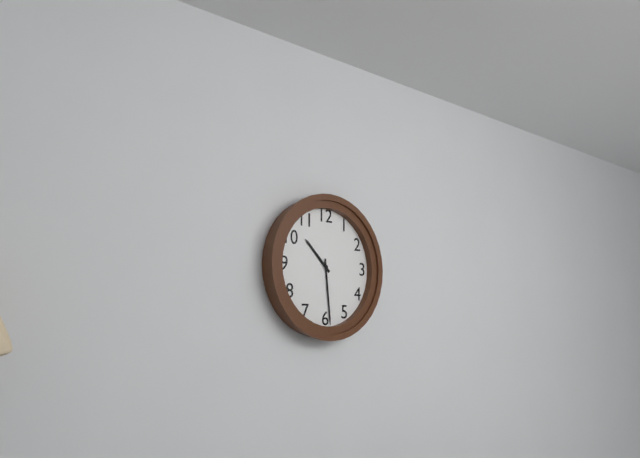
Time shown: {"hour": 10, "minute": 29}
